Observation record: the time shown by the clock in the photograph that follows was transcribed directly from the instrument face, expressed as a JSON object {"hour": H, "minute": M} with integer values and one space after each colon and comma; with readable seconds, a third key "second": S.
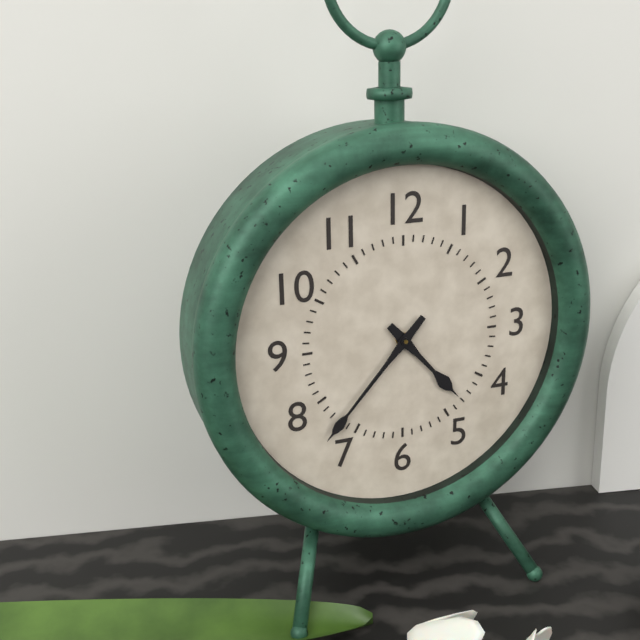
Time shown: {"hour": 4, "minute": 37}
